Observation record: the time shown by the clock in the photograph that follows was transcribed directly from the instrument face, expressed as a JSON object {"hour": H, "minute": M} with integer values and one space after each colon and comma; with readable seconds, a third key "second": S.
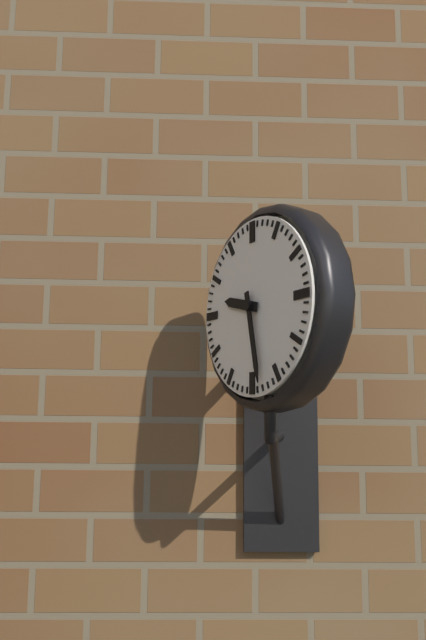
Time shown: {"hour": 9, "minute": 28}
